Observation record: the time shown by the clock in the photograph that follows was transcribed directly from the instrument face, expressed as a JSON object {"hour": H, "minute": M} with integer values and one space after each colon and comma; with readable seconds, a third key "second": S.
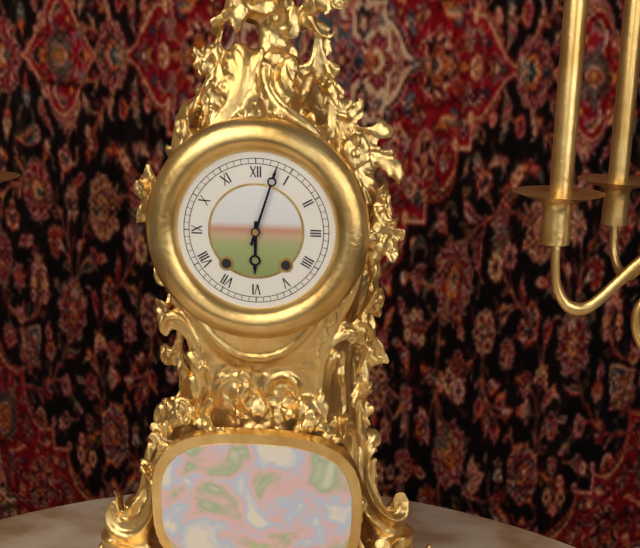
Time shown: {"hour": 6, "minute": 3}
